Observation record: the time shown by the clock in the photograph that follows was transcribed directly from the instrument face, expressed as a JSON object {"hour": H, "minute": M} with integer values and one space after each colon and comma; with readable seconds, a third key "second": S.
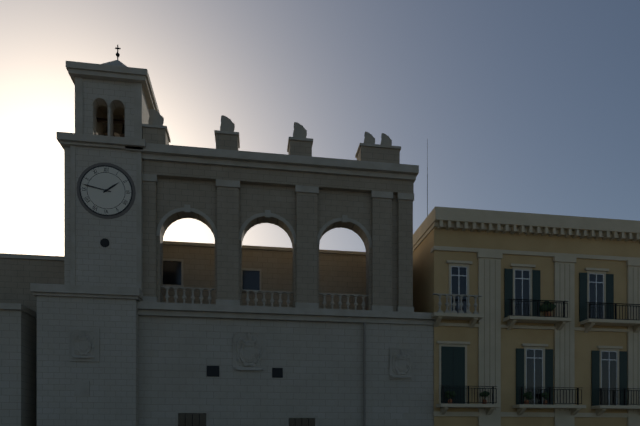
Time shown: {"hour": 1, "minute": 47}
